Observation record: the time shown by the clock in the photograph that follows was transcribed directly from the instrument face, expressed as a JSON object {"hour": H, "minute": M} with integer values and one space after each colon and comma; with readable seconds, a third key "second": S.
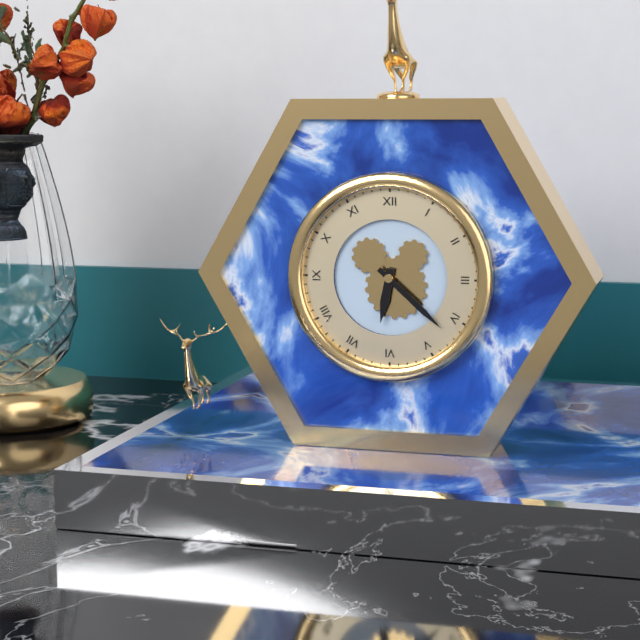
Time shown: {"hour": 6, "minute": 22}
